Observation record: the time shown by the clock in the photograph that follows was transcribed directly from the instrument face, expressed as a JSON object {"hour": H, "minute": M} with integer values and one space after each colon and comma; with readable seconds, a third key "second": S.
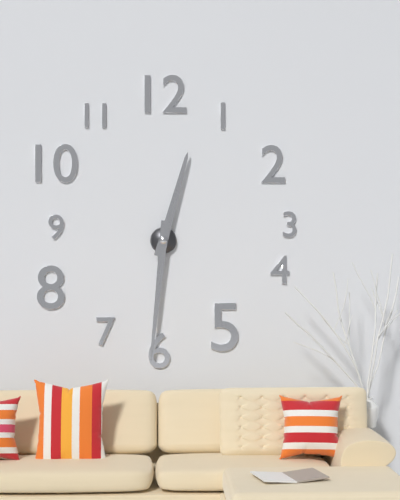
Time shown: {"hour": 12, "minute": 31}
